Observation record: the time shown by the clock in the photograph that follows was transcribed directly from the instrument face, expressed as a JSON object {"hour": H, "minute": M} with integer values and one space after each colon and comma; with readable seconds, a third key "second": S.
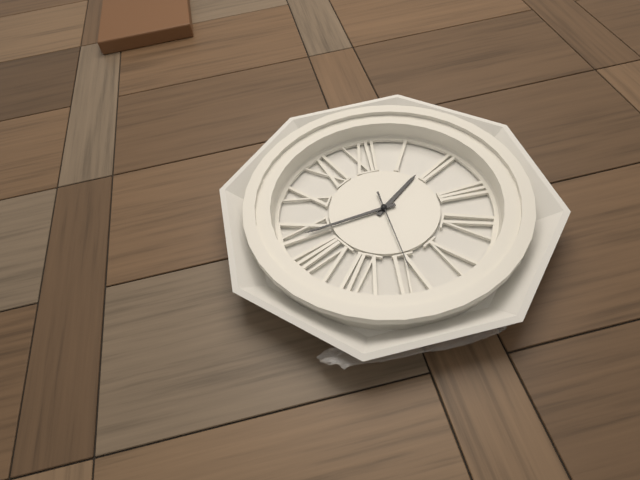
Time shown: {"hour": 1, "minute": 44, "second": 30}
